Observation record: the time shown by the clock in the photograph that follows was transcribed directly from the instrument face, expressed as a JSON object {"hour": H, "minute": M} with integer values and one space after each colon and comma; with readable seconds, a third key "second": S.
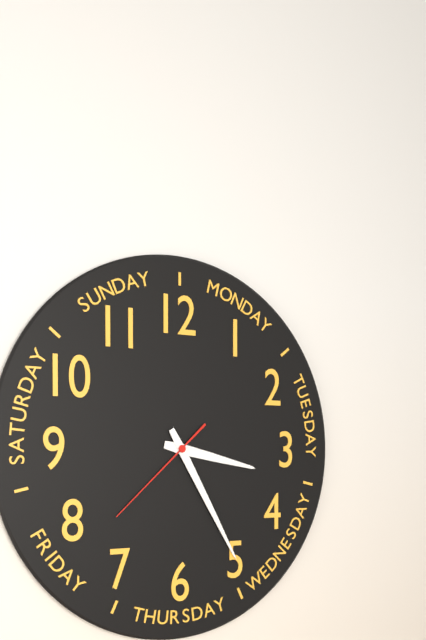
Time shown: {"hour": 3, "minute": 25, "second": 38}
